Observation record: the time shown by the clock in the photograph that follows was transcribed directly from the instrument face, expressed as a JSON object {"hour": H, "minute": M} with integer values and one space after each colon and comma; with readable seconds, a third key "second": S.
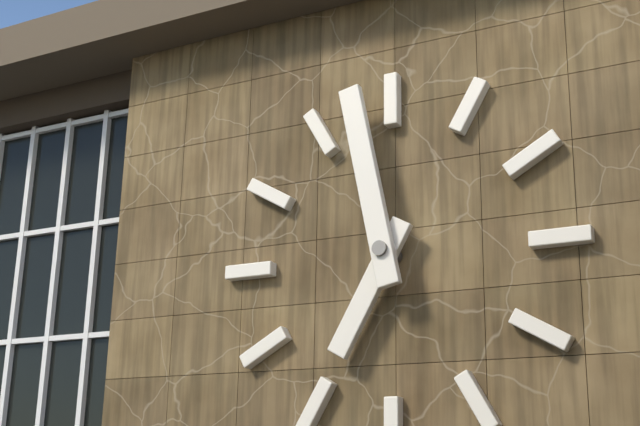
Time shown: {"hour": 6, "minute": 58}
